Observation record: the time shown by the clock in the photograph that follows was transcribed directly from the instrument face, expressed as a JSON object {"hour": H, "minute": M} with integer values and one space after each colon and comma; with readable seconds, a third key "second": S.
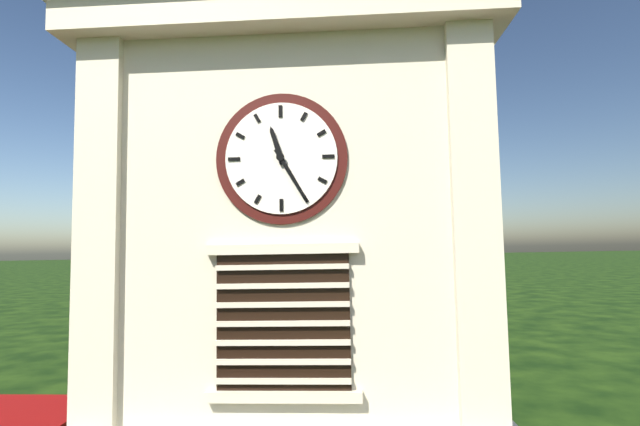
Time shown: {"hour": 11, "minute": 25}
